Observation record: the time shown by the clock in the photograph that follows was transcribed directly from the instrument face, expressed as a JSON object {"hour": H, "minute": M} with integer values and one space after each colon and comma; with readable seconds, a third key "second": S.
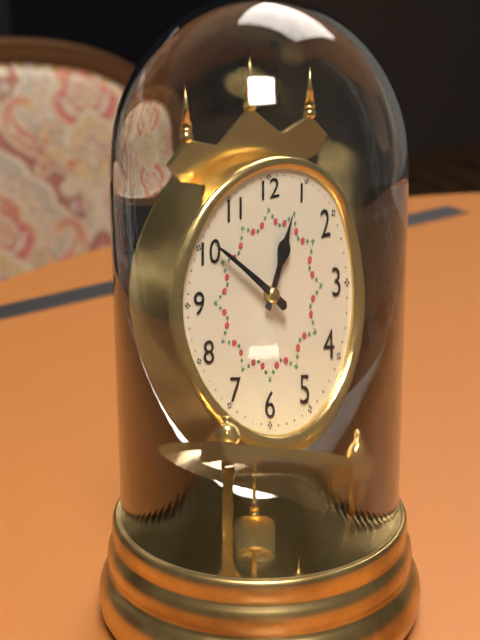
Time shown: {"hour": 12, "minute": 51}
